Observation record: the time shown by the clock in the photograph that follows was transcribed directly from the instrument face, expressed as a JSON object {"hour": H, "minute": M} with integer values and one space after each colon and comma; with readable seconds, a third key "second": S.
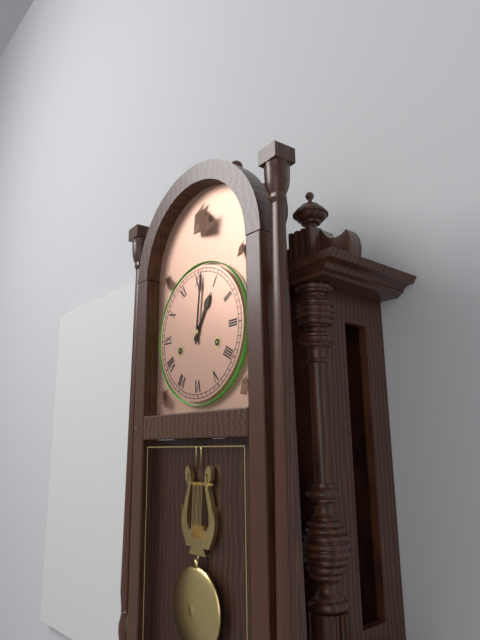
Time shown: {"hour": 1, "minute": 1}
